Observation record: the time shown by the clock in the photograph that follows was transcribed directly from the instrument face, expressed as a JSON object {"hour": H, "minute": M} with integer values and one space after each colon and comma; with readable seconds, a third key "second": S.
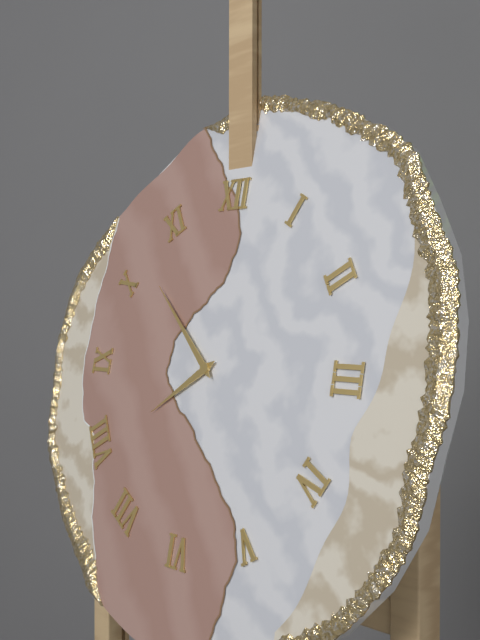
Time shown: {"hour": 7, "minute": 52}
